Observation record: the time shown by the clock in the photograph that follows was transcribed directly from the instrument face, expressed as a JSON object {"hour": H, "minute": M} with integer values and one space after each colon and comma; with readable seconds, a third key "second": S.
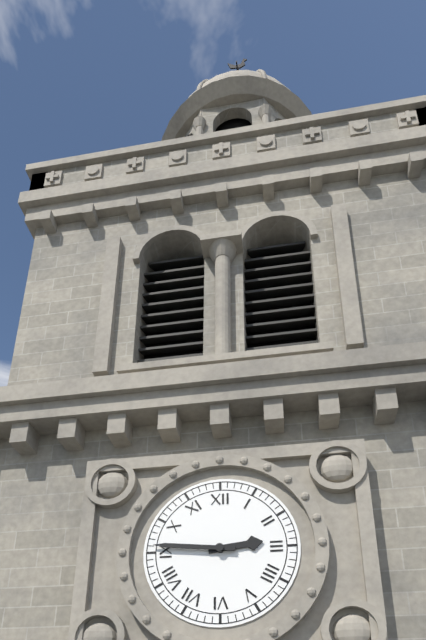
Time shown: {"hour": 2, "minute": 46}
